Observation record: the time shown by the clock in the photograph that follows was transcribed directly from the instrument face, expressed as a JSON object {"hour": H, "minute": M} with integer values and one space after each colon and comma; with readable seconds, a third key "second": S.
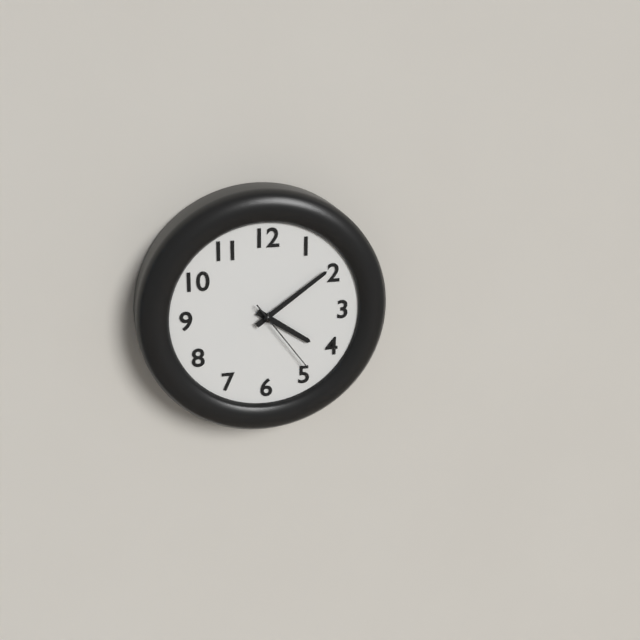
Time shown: {"hour": 4, "minute": 9, "second": 24}
